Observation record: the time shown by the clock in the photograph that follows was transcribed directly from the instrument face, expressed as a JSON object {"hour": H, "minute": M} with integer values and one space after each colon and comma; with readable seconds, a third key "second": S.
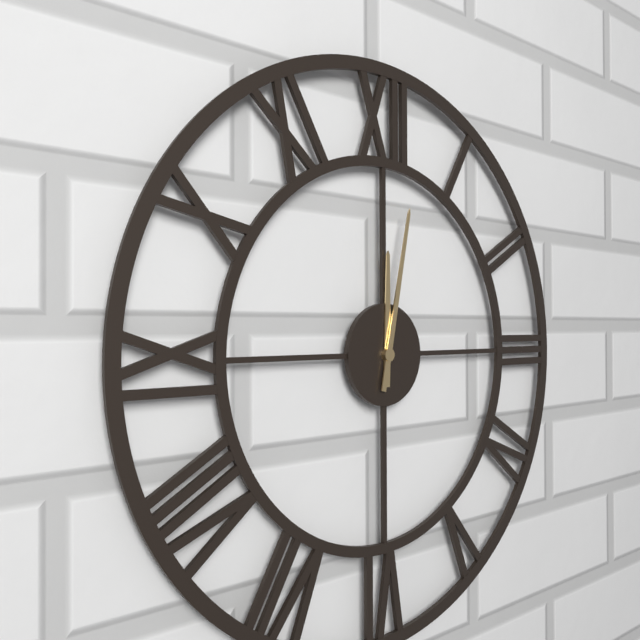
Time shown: {"hour": 12, "minute": 2}
